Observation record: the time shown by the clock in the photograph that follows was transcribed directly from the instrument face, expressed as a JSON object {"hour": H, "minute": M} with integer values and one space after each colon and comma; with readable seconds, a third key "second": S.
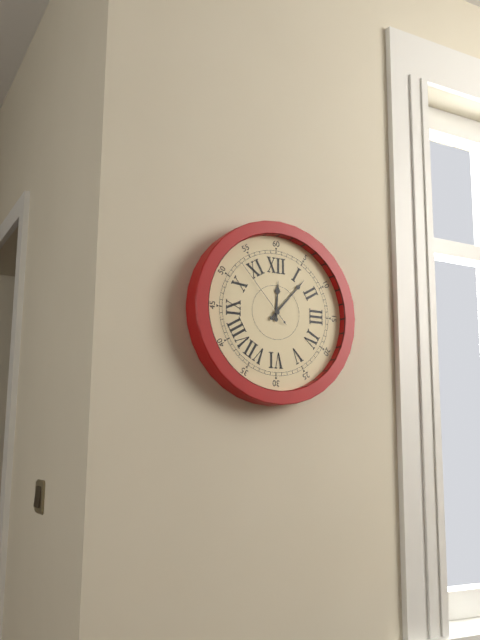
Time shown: {"hour": 12, "minute": 7, "second": 53}
